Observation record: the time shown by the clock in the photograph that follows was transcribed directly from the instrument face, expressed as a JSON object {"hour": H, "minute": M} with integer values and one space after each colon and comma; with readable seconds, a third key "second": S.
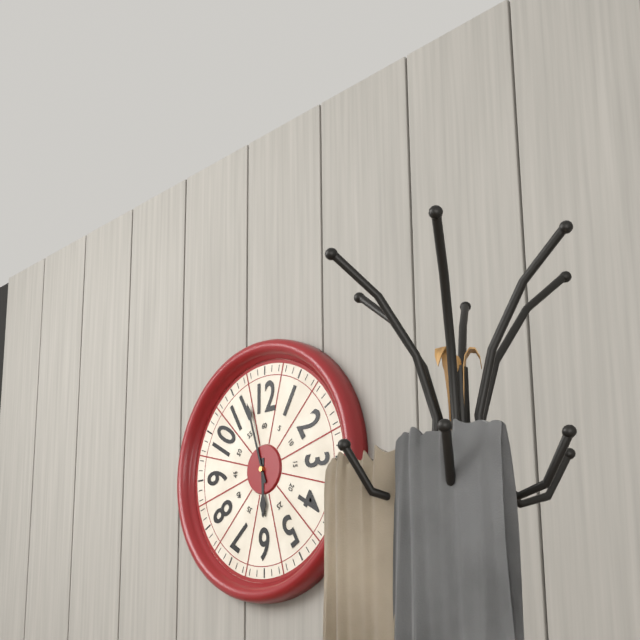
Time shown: {"hour": 5, "minute": 57}
